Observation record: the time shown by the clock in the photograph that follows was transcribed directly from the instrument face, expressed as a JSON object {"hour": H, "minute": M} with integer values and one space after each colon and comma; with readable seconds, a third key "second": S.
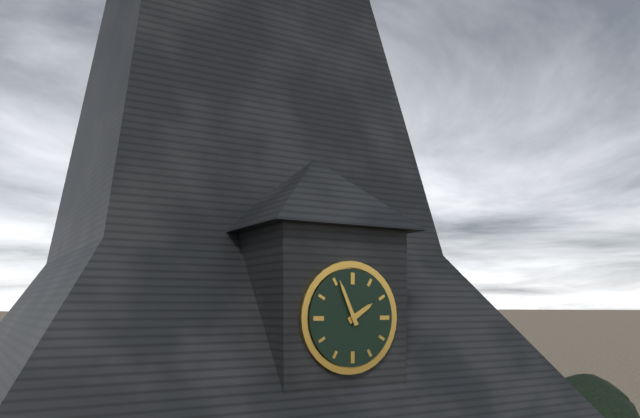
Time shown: {"hour": 1, "minute": 56}
